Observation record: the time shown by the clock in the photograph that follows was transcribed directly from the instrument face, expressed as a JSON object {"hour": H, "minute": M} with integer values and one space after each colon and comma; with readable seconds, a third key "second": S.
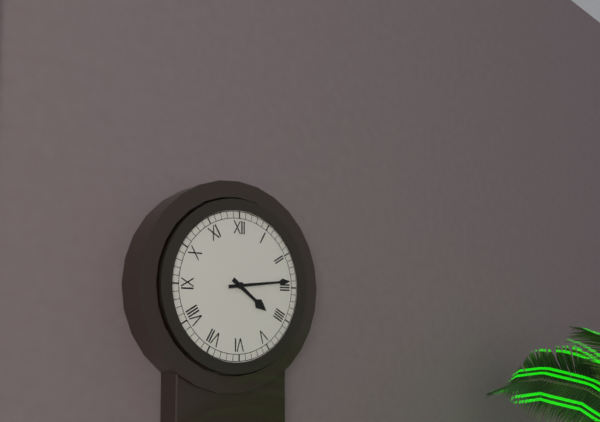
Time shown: {"hour": 4, "minute": 14}
